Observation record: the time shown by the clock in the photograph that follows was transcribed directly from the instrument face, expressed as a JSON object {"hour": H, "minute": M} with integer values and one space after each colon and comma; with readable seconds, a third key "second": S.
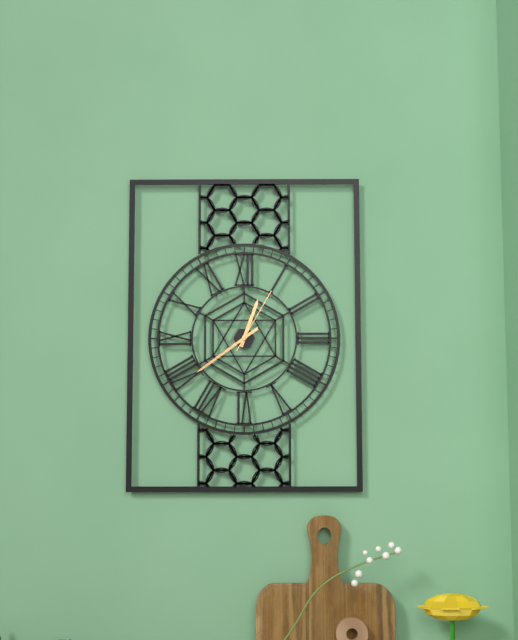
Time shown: {"hour": 12, "minute": 39, "second": 5}
